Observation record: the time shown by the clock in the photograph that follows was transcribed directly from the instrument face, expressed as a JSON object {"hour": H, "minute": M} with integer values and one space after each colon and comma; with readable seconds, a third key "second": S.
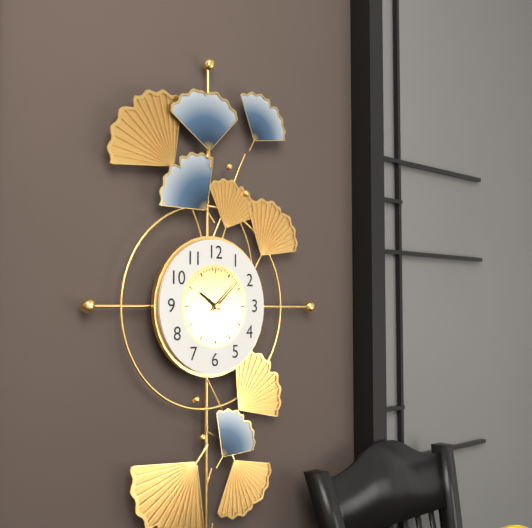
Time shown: {"hour": 10, "minute": 8}
